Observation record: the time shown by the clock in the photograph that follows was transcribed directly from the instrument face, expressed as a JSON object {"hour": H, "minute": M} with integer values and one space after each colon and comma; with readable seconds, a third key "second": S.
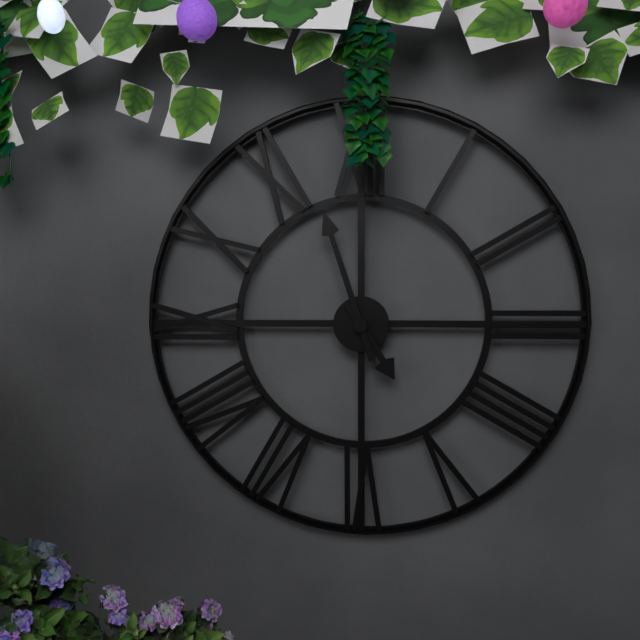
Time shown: {"hour": 4, "minute": 57}
